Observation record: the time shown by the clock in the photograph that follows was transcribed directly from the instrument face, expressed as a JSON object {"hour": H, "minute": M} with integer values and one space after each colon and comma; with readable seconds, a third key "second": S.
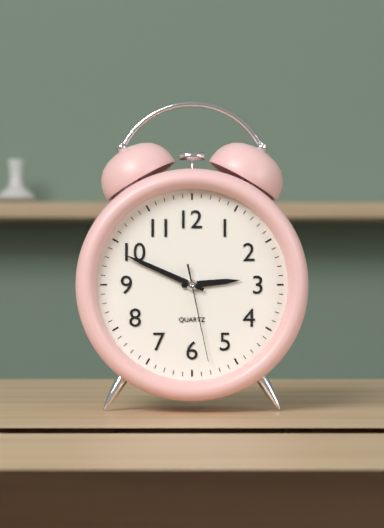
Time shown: {"hour": 2, "minute": 49, "second": 28}
